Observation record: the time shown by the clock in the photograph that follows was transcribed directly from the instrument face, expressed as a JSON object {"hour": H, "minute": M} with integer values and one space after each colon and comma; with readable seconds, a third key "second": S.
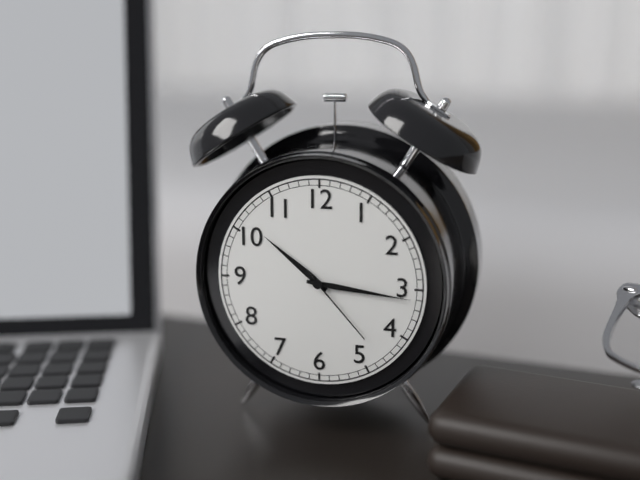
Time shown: {"hour": 10, "minute": 16, "second": 23}
